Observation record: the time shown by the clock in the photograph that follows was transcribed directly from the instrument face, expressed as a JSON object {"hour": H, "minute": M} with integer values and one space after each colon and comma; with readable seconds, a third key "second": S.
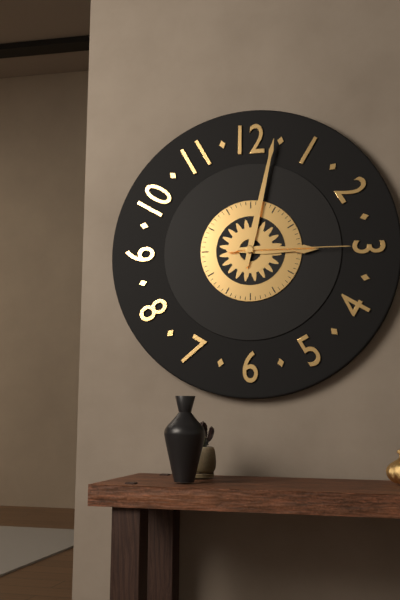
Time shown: {"hour": 3, "minute": 2, "second": 15}
